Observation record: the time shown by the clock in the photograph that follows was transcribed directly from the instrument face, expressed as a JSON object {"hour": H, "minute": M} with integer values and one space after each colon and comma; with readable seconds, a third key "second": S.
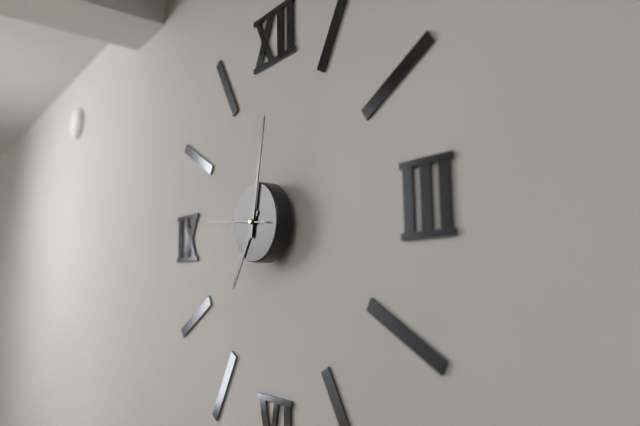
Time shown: {"hour": 7, "minute": 2, "second": 46}
